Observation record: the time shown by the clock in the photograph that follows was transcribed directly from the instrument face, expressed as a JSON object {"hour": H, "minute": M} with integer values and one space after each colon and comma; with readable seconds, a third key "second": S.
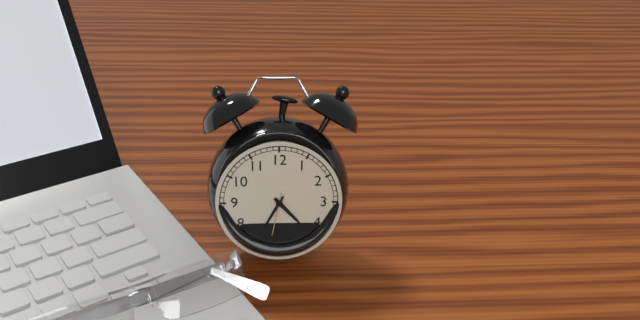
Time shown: {"hour": 4, "minute": 35}
